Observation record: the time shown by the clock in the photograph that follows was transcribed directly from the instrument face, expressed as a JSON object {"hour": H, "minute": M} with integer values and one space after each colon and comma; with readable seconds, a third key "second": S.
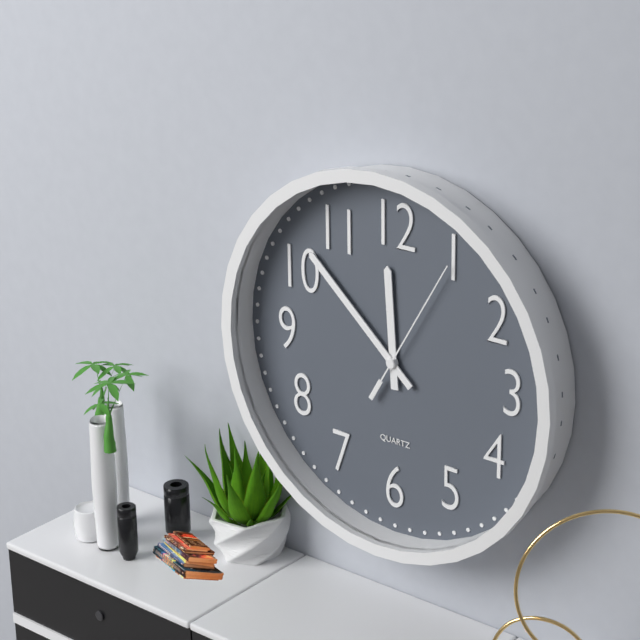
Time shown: {"hour": 11, "minute": 52, "second": 5}
